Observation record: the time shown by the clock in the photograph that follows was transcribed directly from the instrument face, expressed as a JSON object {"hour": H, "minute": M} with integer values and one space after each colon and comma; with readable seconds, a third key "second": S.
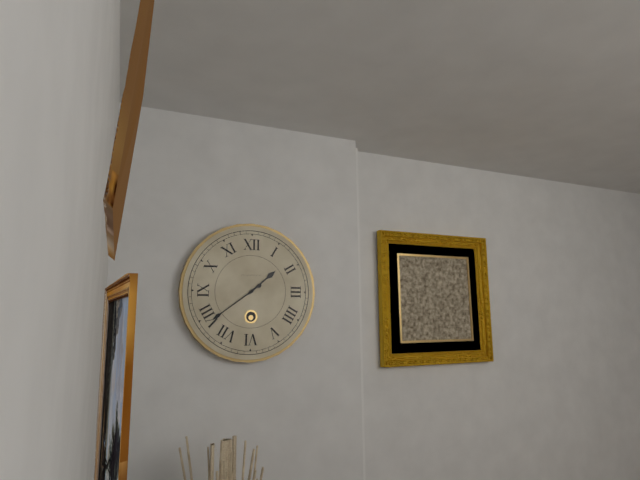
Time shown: {"hour": 1, "minute": 39}
